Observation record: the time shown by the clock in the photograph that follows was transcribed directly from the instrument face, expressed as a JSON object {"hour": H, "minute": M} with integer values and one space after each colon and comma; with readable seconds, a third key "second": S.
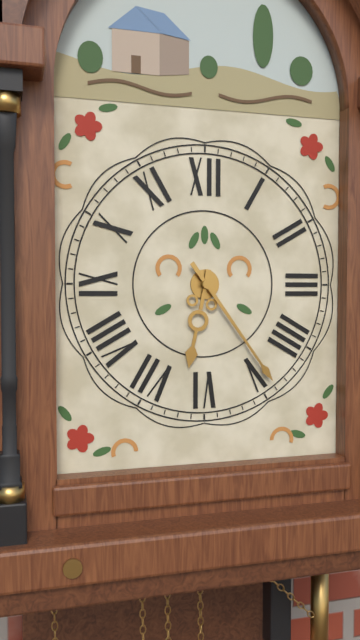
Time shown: {"hour": 6, "minute": 24}
